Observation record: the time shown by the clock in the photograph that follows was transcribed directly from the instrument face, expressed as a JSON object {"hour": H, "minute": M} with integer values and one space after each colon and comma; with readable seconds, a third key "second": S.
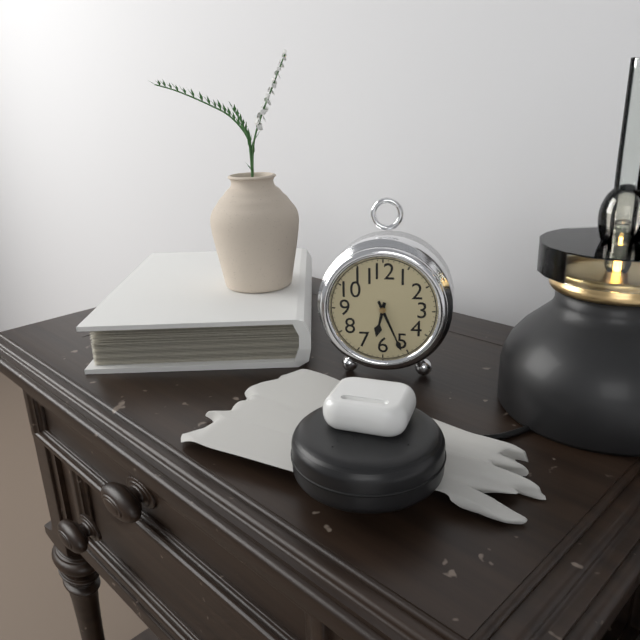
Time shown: {"hour": 6, "minute": 26}
